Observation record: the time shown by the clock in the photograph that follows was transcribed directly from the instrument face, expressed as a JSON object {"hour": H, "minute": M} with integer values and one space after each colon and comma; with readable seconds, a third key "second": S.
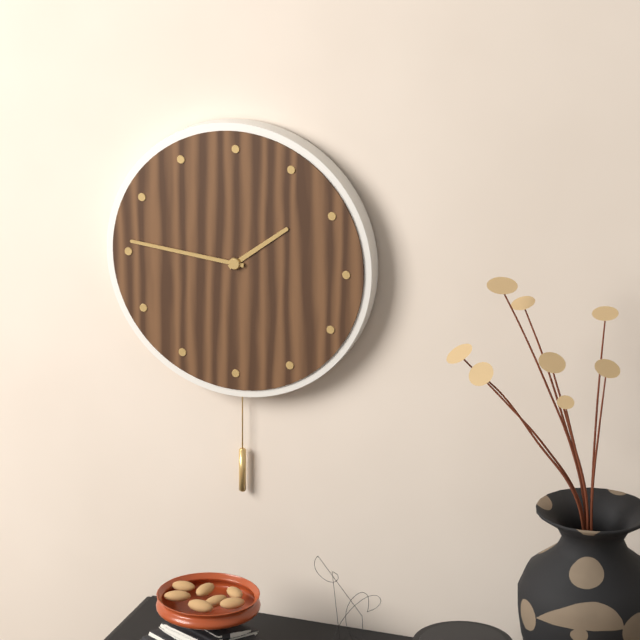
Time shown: {"hour": 1, "minute": 46}
